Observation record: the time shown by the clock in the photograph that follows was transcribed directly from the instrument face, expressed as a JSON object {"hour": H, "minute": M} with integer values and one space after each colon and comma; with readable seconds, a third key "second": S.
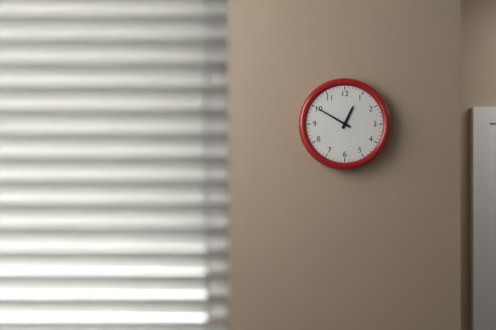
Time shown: {"hour": 12, "minute": 50}
